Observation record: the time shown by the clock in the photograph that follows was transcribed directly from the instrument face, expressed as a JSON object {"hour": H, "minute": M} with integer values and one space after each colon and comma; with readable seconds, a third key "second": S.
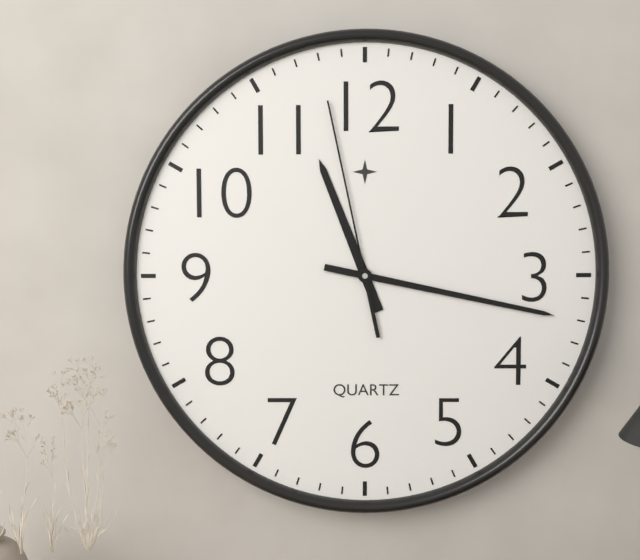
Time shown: {"hour": 11, "minute": 17, "second": 58}
